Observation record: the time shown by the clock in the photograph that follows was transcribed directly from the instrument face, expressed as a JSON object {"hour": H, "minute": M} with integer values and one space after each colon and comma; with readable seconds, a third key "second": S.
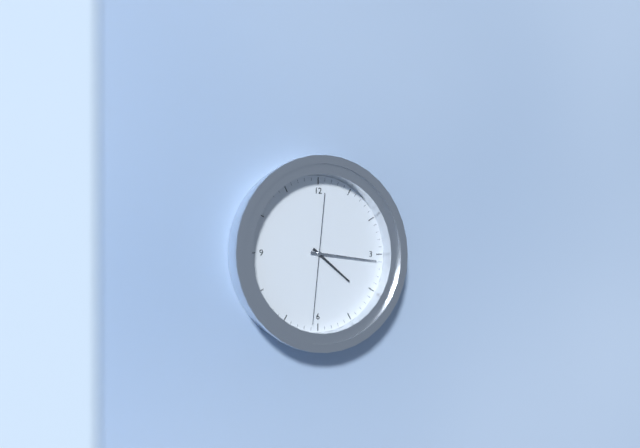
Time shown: {"hour": 4, "minute": 16, "second": 31}
